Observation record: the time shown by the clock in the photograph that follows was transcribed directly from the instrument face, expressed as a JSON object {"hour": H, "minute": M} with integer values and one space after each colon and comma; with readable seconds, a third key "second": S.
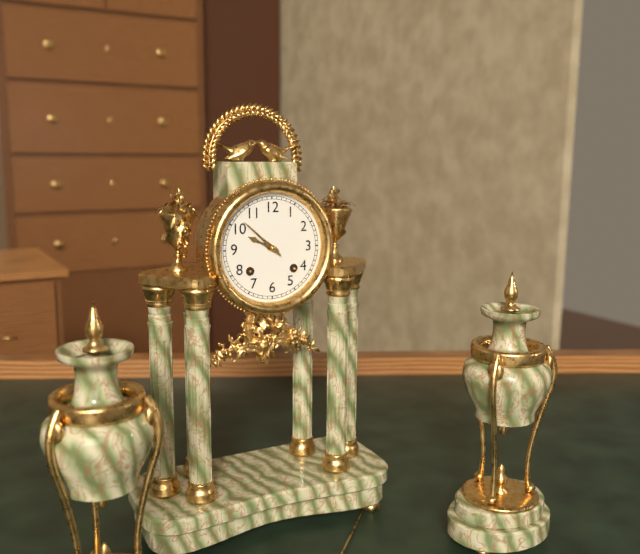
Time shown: {"hour": 9, "minute": 52}
